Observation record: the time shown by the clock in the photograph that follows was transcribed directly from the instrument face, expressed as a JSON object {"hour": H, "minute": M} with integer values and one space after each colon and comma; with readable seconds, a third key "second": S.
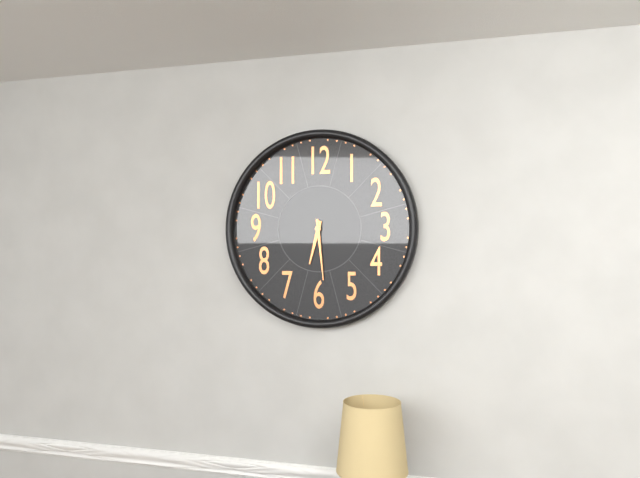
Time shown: {"hour": 6, "minute": 29}
